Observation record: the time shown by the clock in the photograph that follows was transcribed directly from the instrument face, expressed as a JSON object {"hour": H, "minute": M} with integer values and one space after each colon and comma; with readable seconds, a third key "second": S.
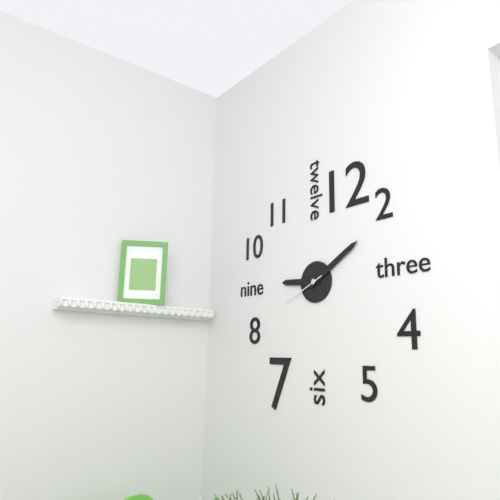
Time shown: {"hour": 9, "minute": 10}
